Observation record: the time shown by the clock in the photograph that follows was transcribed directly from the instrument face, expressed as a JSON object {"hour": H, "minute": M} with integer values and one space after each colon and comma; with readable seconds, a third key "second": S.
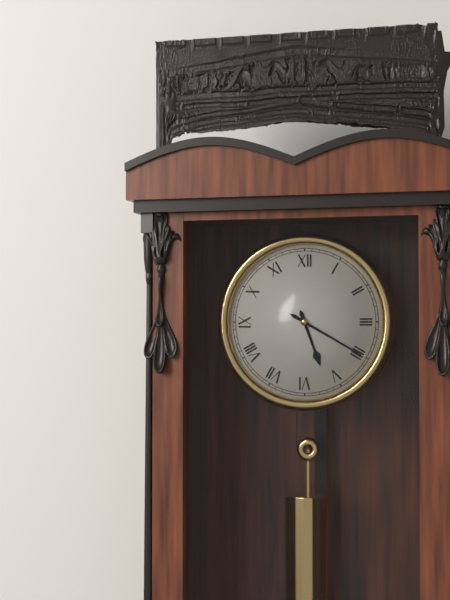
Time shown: {"hour": 5, "minute": 20}
